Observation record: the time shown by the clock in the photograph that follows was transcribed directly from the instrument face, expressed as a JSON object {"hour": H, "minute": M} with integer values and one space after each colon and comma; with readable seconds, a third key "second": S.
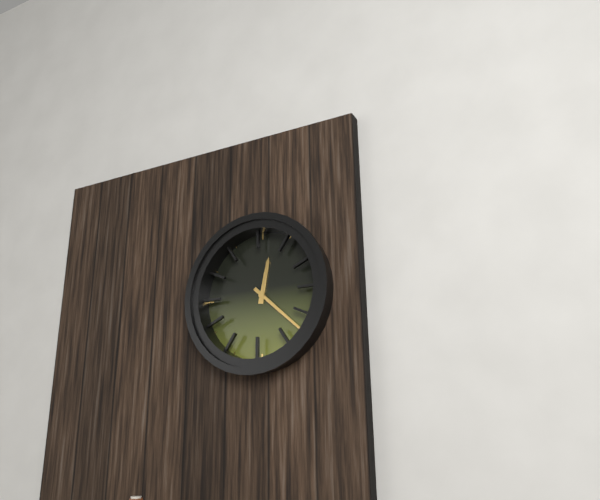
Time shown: {"hour": 12, "minute": 22}
